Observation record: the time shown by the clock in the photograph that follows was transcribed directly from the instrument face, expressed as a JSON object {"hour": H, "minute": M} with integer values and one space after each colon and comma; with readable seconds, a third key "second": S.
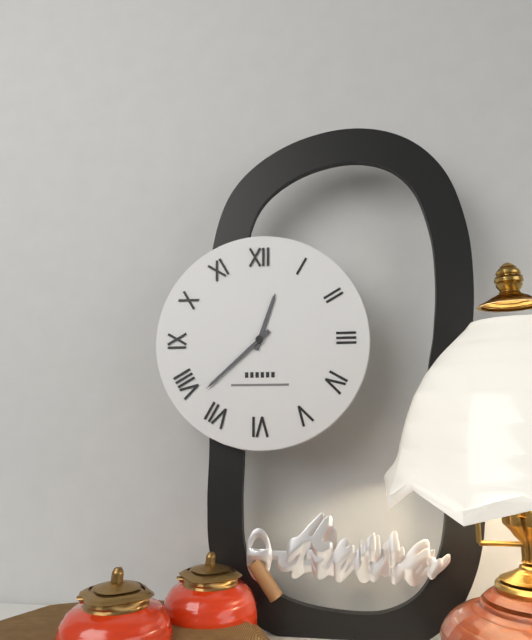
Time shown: {"hour": 12, "minute": 38}
